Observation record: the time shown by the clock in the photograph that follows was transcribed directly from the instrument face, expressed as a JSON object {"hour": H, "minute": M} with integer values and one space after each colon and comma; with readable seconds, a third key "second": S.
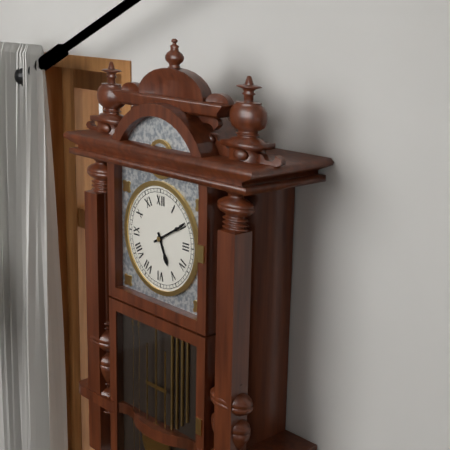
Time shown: {"hour": 5, "minute": 10}
